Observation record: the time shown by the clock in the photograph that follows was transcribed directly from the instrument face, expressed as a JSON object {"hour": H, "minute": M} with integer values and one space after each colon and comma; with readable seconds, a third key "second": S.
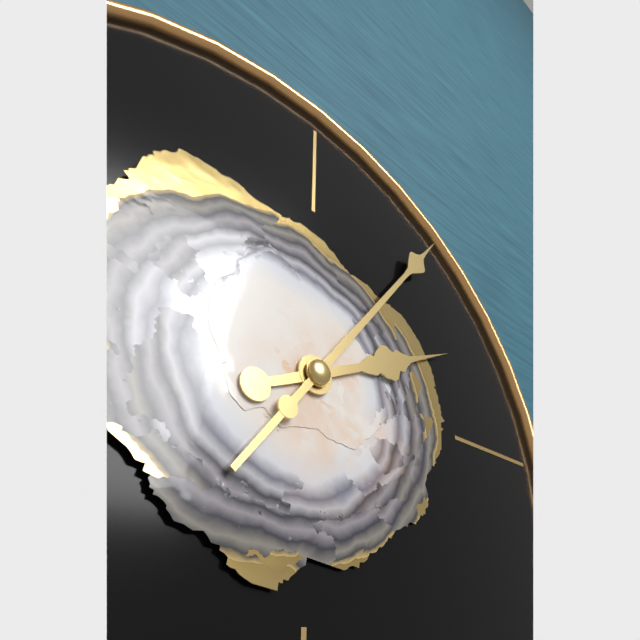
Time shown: {"hour": 2, "minute": 6}
